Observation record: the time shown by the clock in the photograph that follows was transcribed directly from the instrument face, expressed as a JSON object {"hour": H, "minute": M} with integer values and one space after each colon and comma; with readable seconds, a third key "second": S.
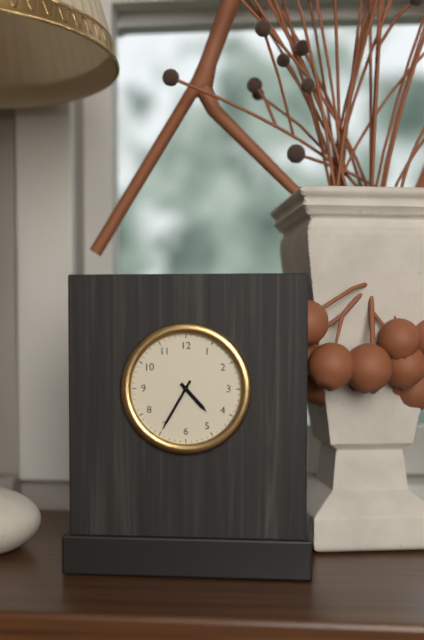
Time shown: {"hour": 4, "minute": 35}
